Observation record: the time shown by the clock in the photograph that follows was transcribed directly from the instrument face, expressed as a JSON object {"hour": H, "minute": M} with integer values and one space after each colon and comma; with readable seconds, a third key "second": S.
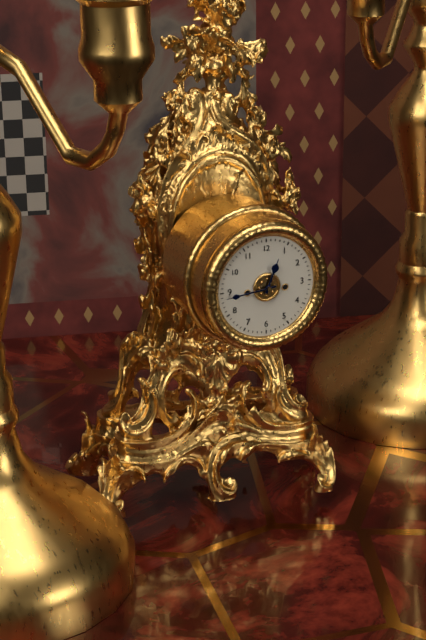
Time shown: {"hour": 12, "minute": 44}
